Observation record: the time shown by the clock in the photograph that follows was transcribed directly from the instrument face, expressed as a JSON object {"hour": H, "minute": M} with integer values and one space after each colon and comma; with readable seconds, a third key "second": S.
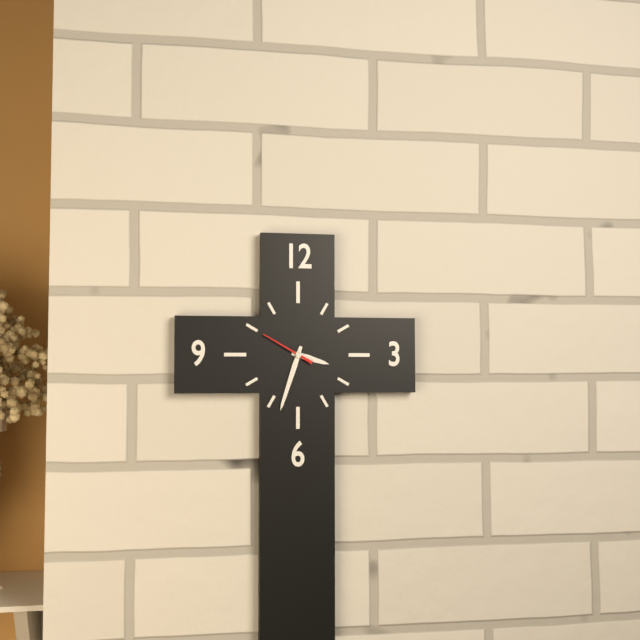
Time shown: {"hour": 3, "minute": 33, "second": 50}
